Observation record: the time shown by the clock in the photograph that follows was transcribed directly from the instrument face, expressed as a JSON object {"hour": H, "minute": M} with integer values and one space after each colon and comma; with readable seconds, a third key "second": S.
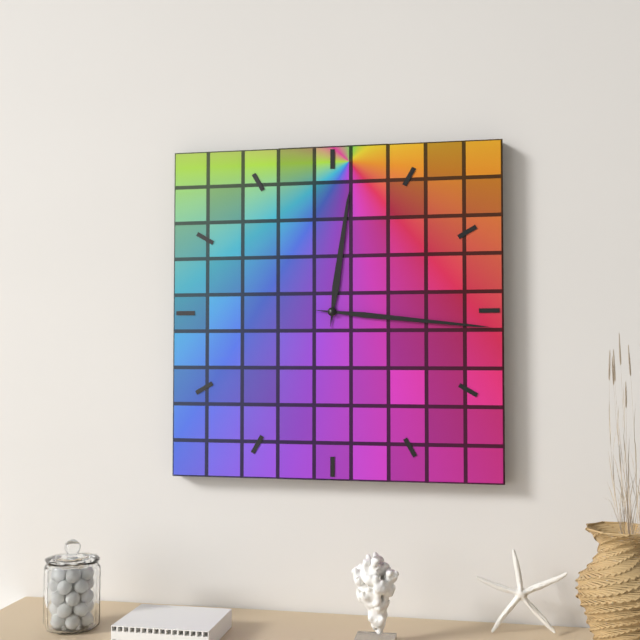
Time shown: {"hour": 12, "minute": 16}
